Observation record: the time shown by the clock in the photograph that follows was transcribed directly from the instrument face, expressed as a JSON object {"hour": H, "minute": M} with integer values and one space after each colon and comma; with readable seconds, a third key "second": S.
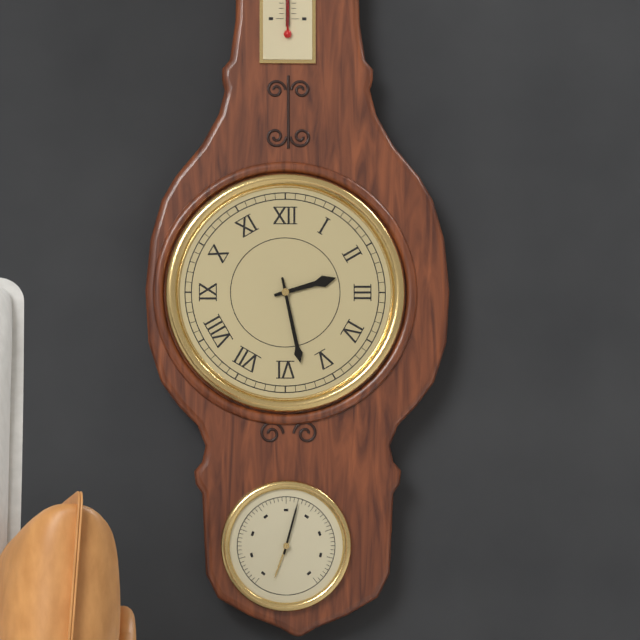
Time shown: {"hour": 2, "minute": 28}
